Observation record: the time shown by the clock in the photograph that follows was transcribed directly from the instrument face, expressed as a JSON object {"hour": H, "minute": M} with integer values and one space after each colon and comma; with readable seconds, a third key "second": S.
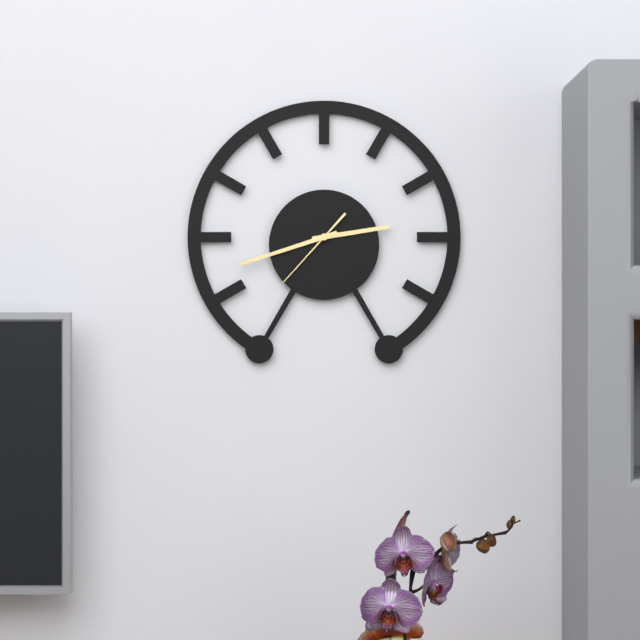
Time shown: {"hour": 2, "minute": 42, "second": 37}
